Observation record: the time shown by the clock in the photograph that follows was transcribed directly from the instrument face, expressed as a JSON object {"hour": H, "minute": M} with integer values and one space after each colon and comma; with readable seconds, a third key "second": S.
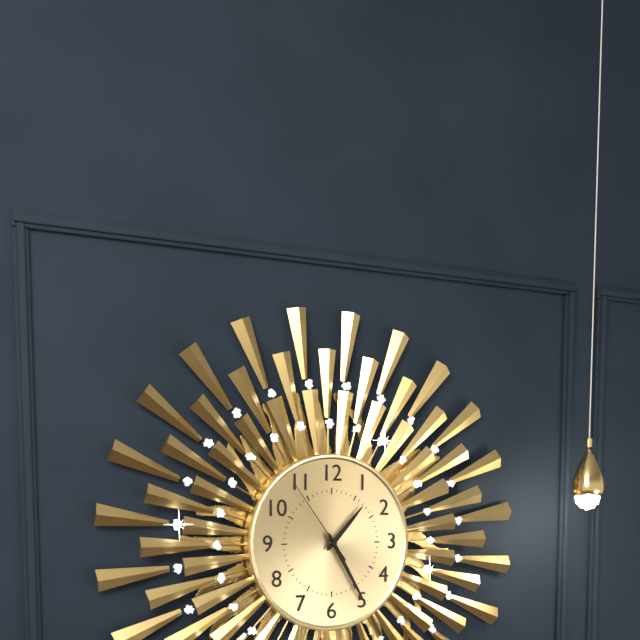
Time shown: {"hour": 1, "minute": 25, "second": 54}
